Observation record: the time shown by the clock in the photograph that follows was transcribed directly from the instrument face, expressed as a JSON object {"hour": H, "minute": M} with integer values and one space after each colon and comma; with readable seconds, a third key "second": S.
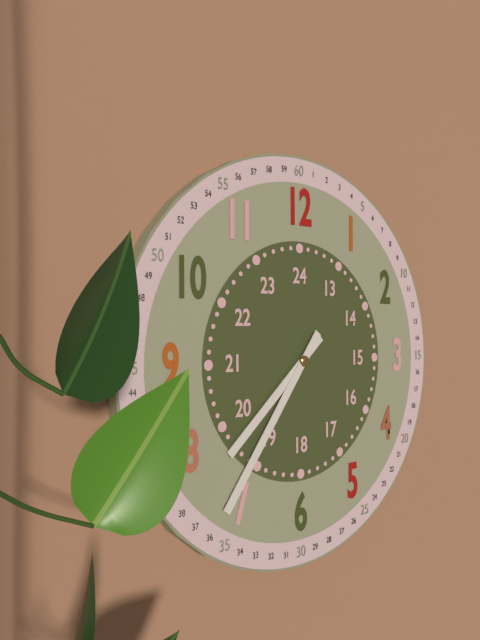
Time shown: {"hour": 7, "minute": 36}
